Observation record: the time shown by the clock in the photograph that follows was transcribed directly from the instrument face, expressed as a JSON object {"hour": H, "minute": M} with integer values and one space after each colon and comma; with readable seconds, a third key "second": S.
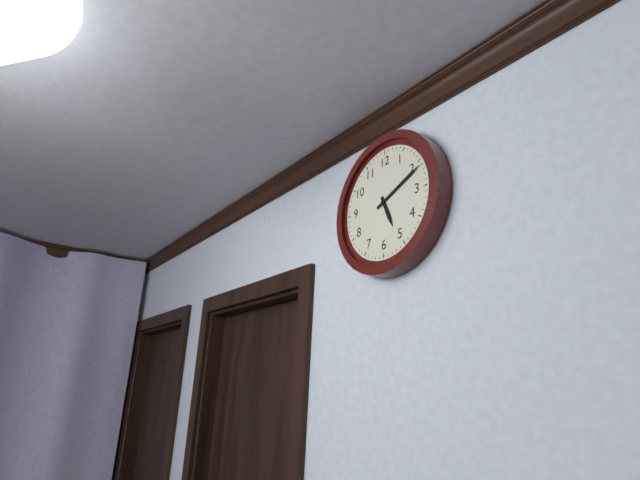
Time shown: {"hour": 5, "minute": 11}
